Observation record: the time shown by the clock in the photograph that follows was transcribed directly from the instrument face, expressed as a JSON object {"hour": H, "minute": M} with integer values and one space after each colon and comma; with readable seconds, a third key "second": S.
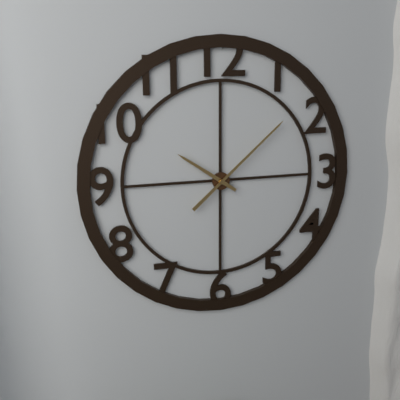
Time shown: {"hour": 10, "minute": 8}
